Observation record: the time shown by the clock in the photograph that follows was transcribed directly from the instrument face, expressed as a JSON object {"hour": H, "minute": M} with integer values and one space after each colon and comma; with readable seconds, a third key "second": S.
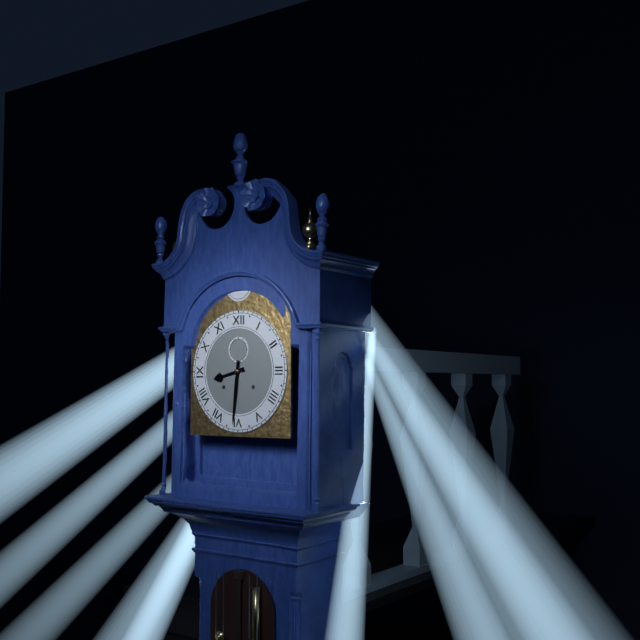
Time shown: {"hour": 8, "minute": 31}
